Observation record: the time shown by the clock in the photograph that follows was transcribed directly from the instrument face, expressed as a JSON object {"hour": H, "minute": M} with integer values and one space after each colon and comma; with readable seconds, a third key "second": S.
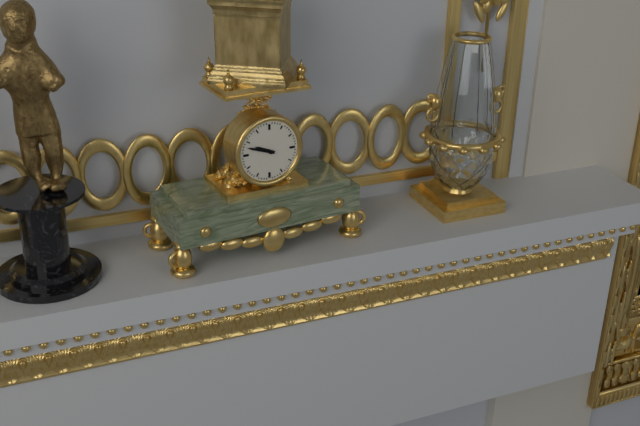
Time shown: {"hour": 9, "minute": 48}
